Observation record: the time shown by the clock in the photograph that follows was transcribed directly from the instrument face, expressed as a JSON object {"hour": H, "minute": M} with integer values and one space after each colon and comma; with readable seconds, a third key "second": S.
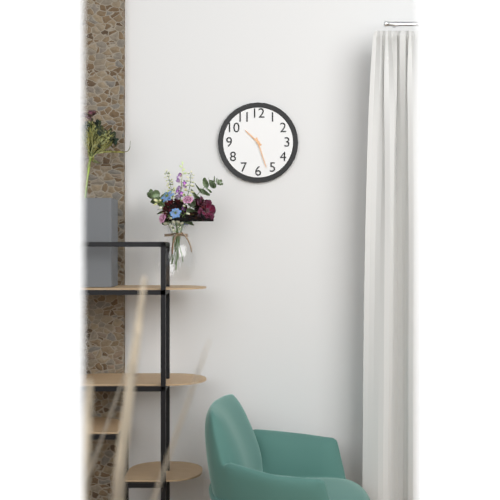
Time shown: {"hour": 10, "minute": 27}
